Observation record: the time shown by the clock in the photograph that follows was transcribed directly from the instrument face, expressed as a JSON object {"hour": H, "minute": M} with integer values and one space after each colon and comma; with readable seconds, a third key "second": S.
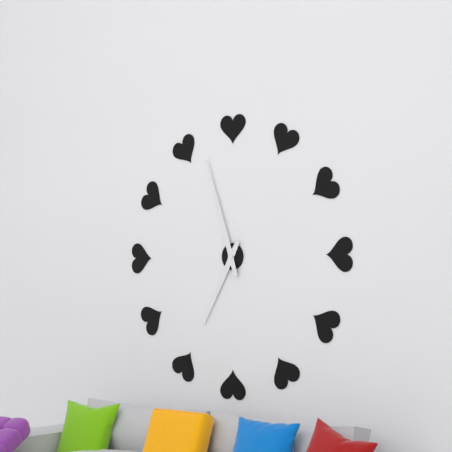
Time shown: {"hour": 6, "minute": 57}
